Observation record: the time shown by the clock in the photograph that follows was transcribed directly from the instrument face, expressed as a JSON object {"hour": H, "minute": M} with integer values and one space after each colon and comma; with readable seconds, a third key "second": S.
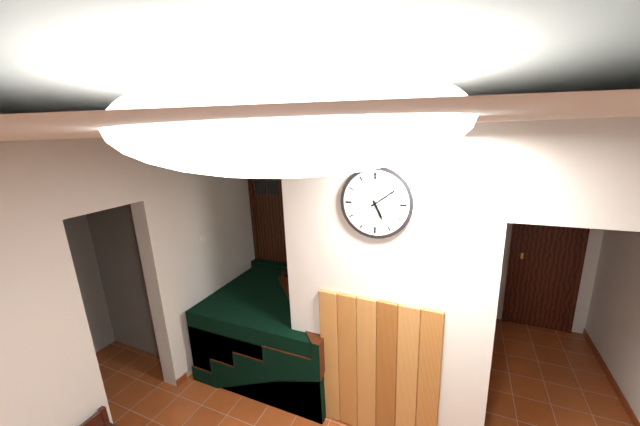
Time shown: {"hour": 5, "minute": 9}
